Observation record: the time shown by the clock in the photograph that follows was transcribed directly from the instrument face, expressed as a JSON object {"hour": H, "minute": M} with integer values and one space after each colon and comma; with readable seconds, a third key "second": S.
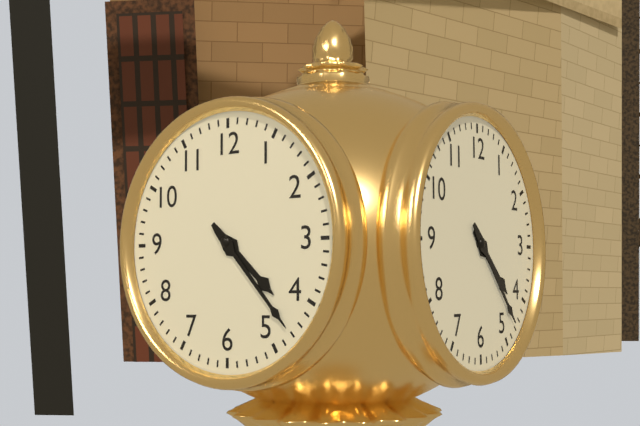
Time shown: {"hour": 4, "minute": 23}
